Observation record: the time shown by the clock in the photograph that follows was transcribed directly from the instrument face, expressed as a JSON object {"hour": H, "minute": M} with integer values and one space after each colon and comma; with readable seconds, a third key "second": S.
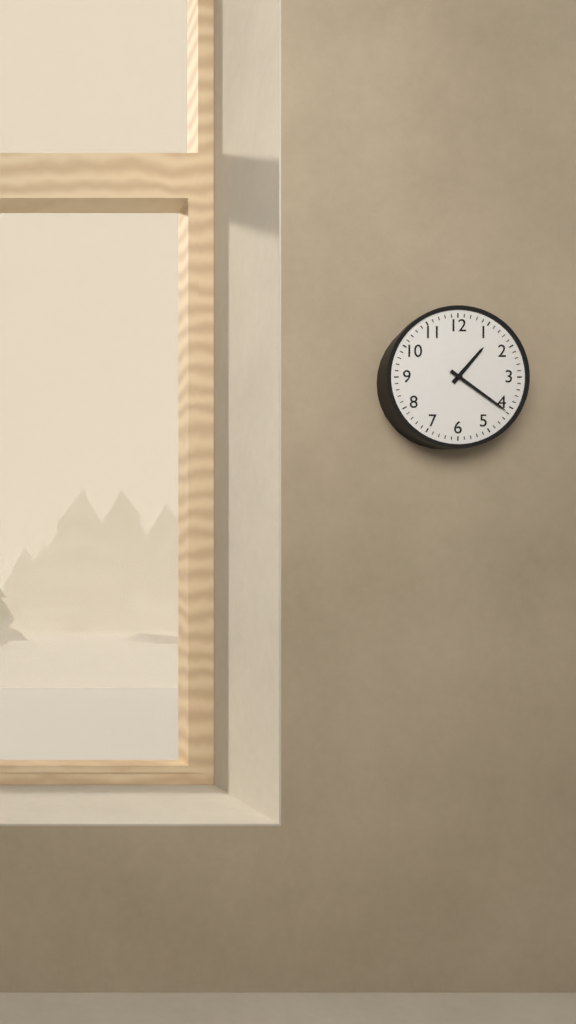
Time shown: {"hour": 1, "minute": 21}
